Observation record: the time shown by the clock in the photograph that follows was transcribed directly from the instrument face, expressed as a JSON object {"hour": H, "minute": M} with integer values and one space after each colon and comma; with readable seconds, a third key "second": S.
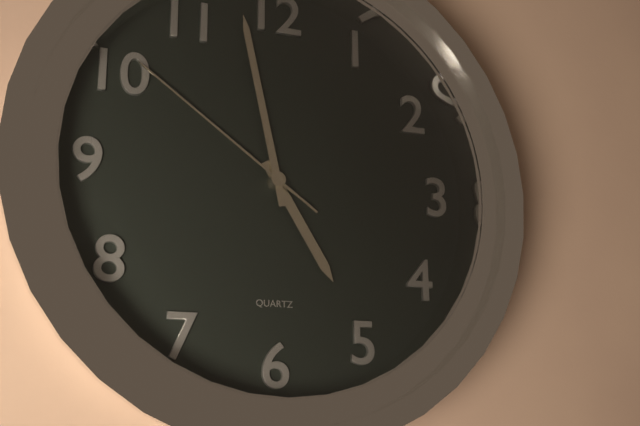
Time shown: {"hour": 4, "minute": 58, "second": 51}
